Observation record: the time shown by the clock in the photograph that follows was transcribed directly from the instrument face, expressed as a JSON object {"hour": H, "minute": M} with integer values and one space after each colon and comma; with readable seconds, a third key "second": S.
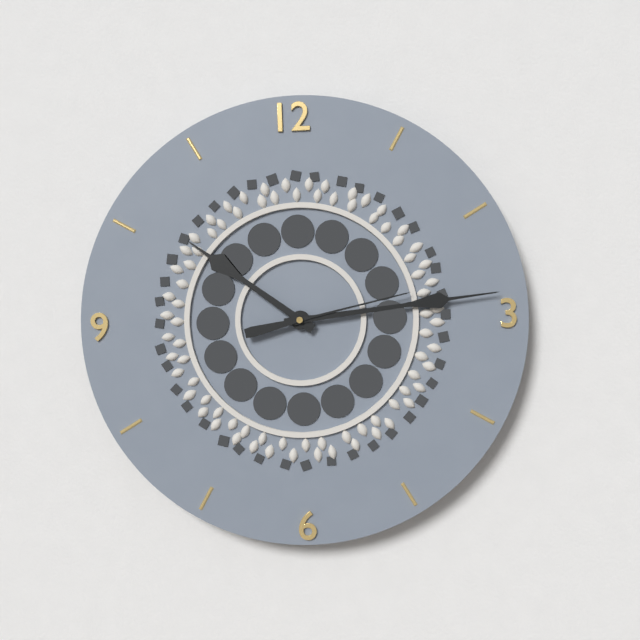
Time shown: {"hour": 10, "minute": 14, "second": 13}
